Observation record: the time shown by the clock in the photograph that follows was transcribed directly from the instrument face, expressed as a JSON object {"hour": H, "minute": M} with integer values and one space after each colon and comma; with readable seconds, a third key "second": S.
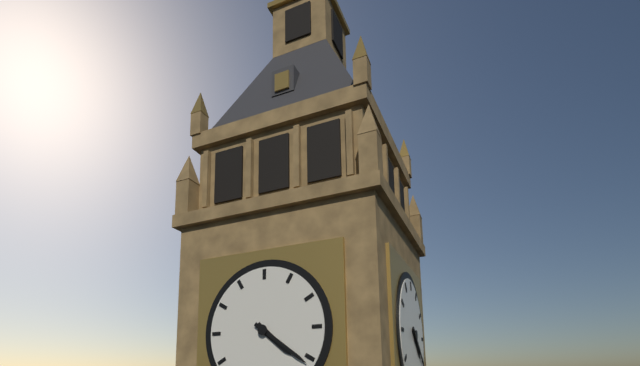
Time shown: {"hour": 4, "minute": 21}
